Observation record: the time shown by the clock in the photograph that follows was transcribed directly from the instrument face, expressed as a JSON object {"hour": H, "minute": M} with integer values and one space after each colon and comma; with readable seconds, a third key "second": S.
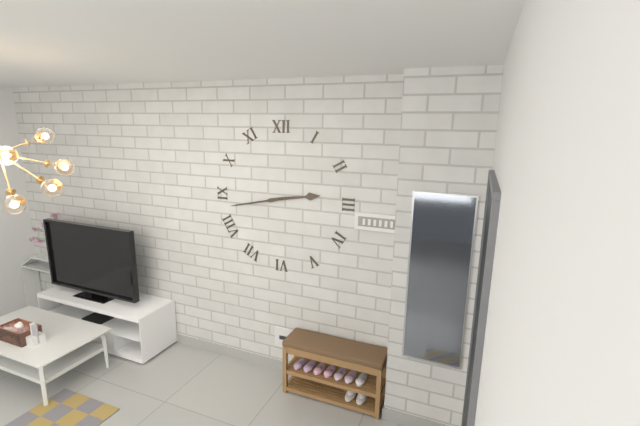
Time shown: {"hour": 2, "minute": 43}
